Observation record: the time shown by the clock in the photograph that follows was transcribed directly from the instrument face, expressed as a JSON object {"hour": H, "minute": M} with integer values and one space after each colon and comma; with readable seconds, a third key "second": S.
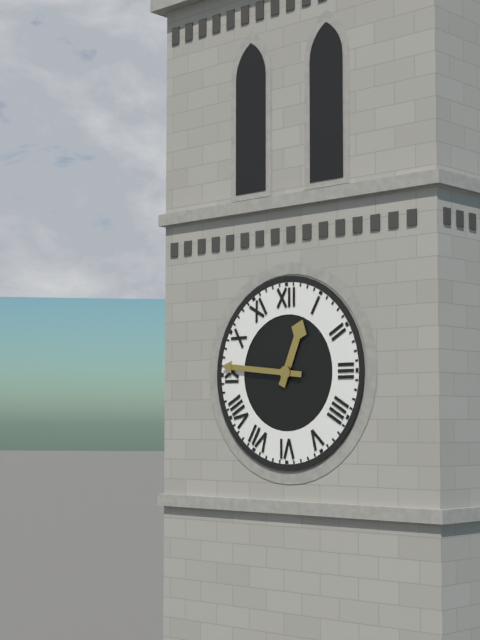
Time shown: {"hour": 12, "minute": 46}
